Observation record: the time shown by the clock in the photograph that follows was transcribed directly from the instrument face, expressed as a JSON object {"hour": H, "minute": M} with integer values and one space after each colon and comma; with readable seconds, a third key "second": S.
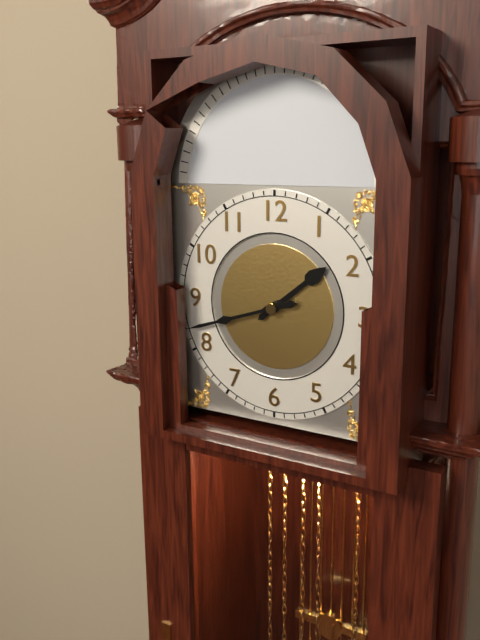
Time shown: {"hour": 1, "minute": 42}
